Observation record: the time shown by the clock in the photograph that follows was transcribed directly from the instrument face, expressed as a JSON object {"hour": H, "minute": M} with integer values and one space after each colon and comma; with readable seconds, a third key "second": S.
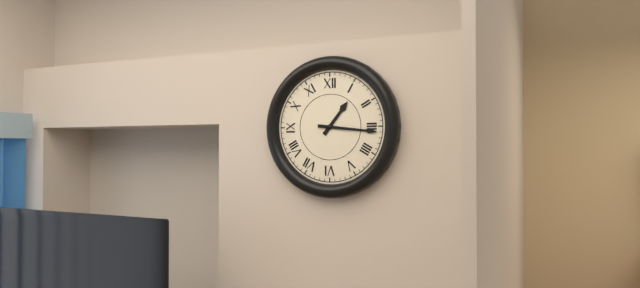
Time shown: {"hour": 1, "minute": 16}
